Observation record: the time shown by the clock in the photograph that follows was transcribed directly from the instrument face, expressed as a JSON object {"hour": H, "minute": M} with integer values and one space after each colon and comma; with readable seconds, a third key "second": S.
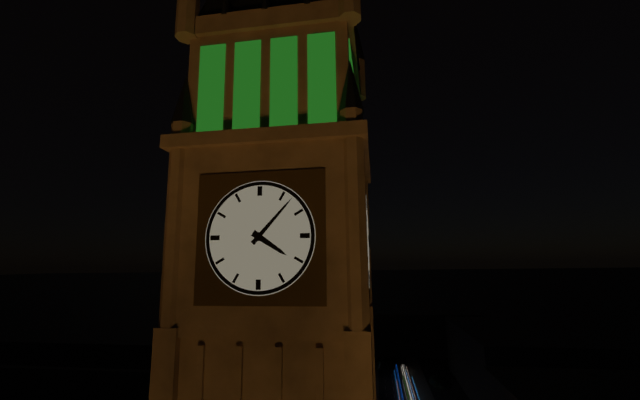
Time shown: {"hour": 4, "minute": 7}
